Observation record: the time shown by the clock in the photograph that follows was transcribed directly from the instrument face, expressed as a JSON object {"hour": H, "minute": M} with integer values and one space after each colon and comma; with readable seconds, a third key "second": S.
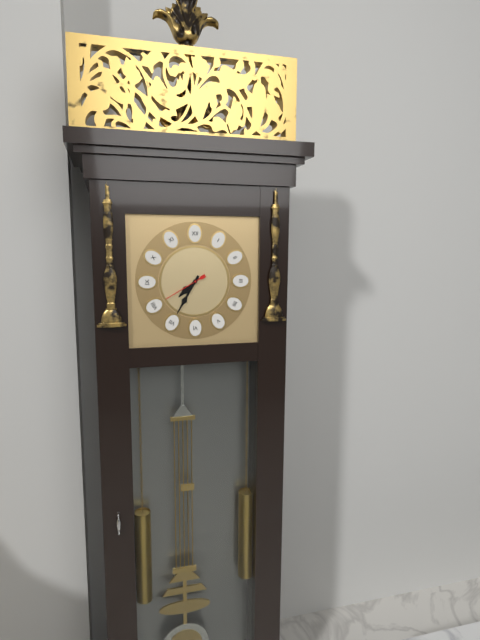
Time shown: {"hour": 7, "minute": 35}
